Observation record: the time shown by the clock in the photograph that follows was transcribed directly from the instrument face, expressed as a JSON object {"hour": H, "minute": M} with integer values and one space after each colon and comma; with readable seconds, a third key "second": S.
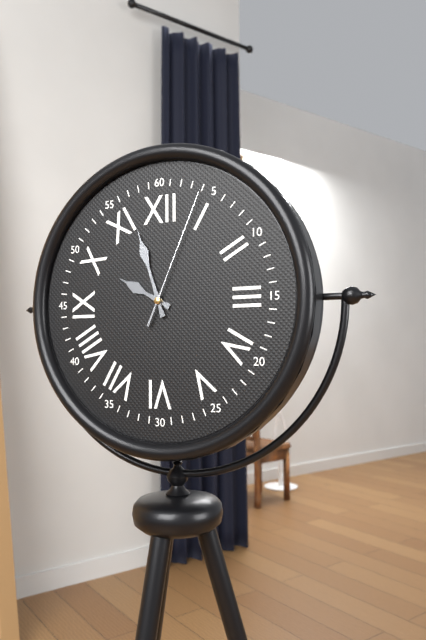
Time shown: {"hour": 9, "minute": 57, "second": 4}
